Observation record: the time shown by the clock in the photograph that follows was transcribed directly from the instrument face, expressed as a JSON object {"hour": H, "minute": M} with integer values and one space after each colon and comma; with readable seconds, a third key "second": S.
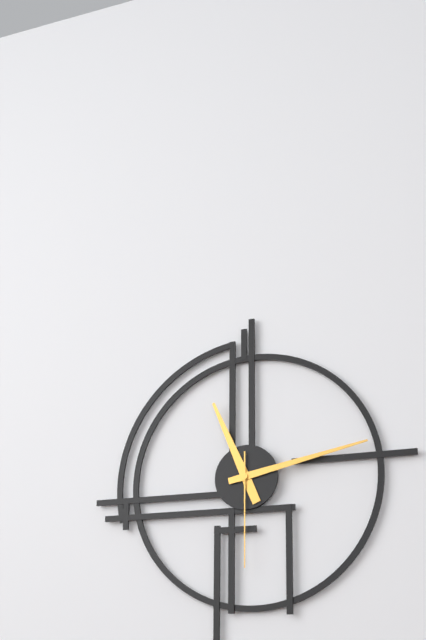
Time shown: {"hour": 11, "minute": 13, "second": 30}
